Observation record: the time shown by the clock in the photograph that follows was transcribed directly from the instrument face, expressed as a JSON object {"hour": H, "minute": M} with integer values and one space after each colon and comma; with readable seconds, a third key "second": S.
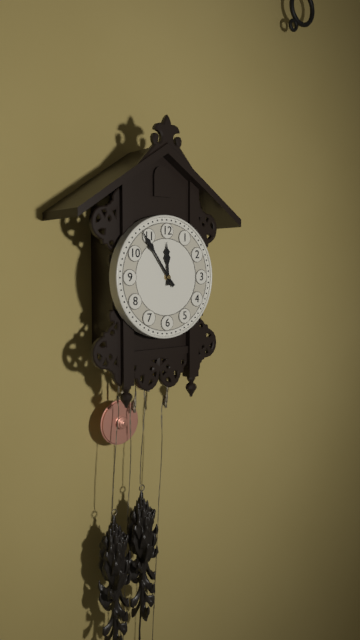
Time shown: {"hour": 11, "minute": 54}
